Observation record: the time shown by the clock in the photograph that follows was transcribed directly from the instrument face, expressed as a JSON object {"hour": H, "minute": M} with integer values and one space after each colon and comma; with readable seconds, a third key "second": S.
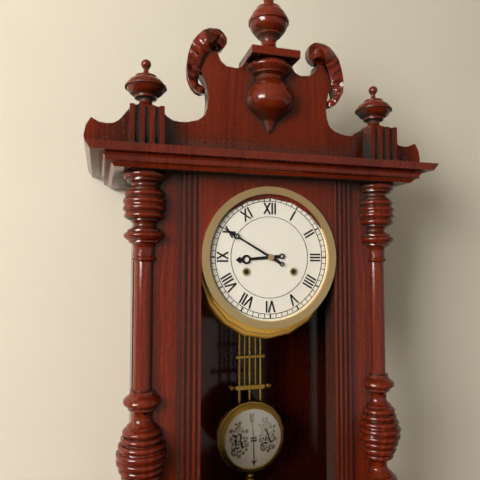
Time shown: {"hour": 8, "minute": 50}
